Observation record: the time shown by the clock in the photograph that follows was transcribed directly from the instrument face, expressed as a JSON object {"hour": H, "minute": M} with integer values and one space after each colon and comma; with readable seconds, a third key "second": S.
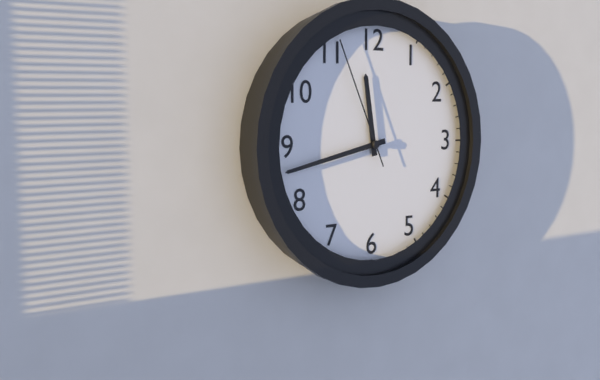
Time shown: {"hour": 11, "minute": 43, "second": 56}
